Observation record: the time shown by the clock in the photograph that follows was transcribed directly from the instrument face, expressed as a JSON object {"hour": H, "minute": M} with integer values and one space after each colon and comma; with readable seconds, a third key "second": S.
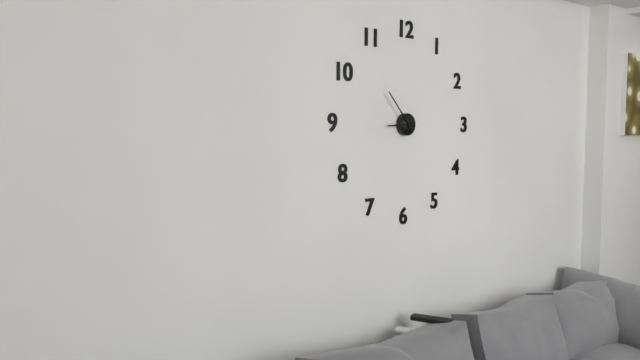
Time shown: {"hour": 8, "minute": 53}
